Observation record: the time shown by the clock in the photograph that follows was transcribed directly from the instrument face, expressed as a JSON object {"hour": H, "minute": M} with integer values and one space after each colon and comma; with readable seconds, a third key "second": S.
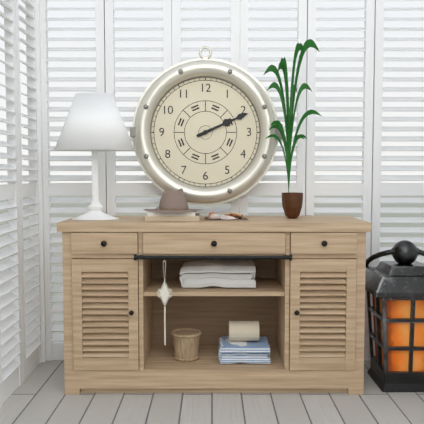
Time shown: {"hour": 2, "minute": 11}
